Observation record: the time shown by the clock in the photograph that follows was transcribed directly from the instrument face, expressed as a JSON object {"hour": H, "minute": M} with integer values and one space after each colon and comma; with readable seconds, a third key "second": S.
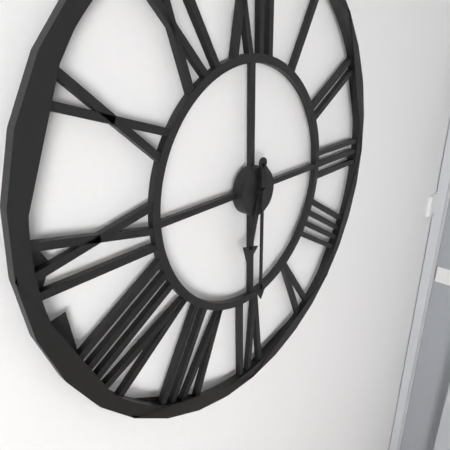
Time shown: {"hour": 6, "minute": 30}
